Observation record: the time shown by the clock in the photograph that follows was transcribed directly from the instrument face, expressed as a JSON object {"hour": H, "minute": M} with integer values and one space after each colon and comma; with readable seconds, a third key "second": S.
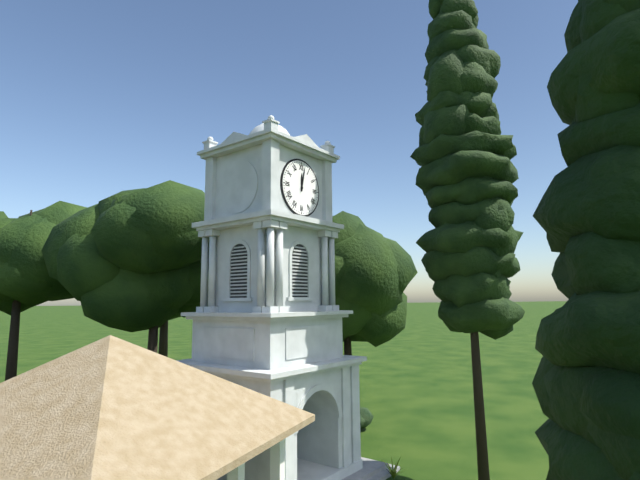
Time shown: {"hour": 12, "minute": 2}
